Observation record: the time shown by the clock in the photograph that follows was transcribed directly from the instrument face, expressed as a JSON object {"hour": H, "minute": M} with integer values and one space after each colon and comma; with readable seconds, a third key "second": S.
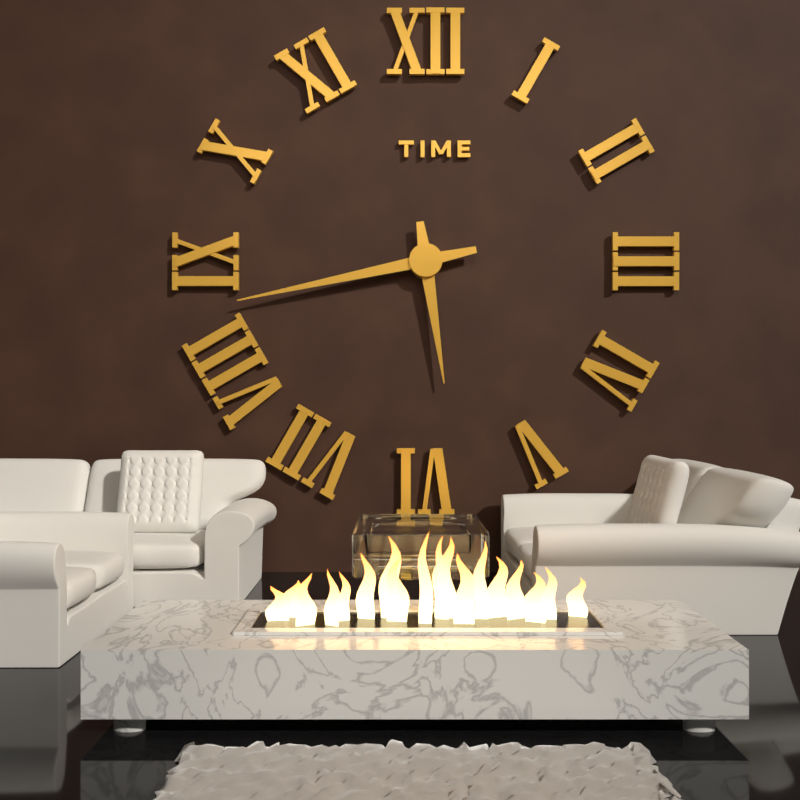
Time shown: {"hour": 5, "minute": 43}
